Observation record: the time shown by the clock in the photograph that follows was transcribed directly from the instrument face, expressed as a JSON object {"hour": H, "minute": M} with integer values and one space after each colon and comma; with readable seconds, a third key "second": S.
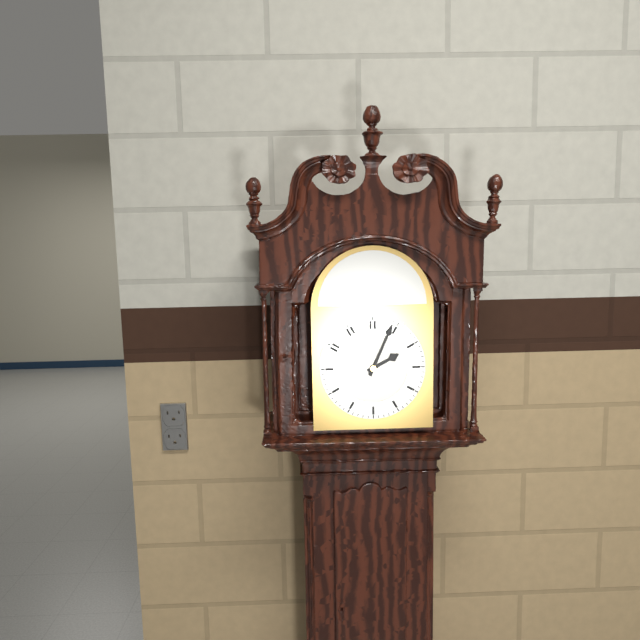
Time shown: {"hour": 2, "minute": 4}
